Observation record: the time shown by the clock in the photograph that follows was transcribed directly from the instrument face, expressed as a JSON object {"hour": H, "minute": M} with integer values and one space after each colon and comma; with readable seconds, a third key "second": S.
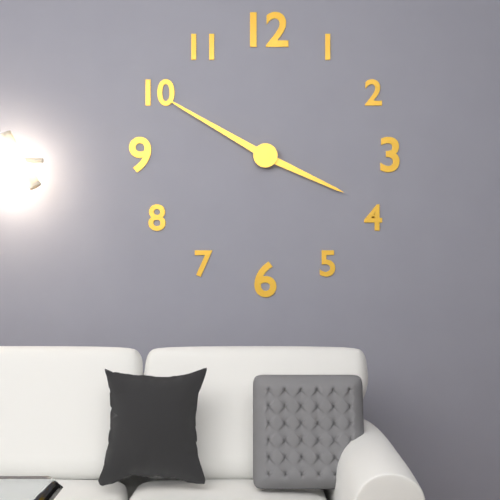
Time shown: {"hour": 3, "minute": 50}
